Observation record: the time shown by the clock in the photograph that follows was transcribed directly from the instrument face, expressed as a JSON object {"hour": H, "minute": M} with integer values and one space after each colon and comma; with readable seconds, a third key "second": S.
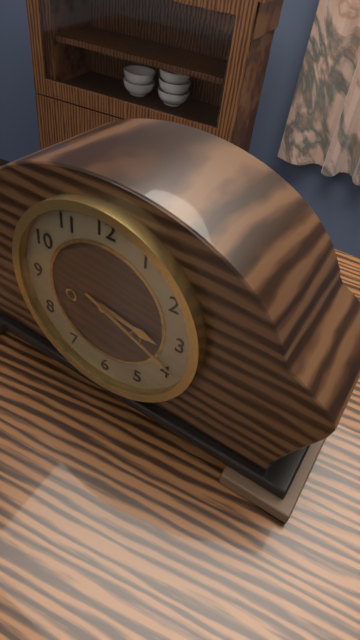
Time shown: {"hour": 3, "minute": 19}
